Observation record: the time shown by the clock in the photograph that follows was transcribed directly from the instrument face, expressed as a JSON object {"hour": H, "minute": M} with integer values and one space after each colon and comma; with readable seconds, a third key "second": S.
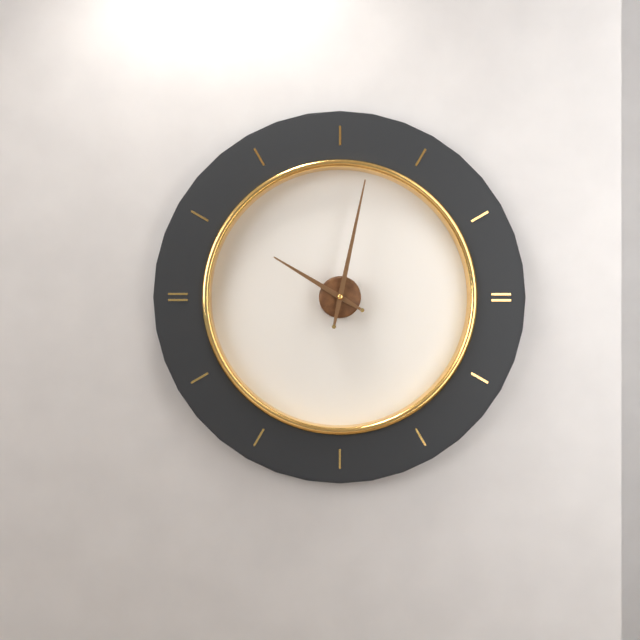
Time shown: {"hour": 10, "minute": 2}
